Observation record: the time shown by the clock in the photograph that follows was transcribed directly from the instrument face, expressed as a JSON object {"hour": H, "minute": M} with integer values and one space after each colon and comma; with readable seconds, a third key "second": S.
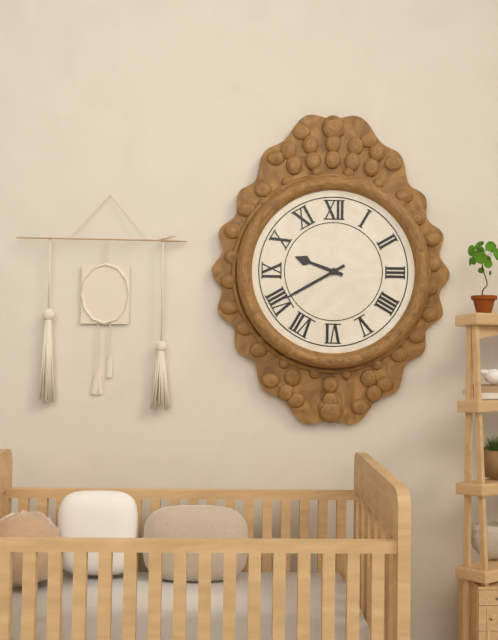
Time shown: {"hour": 9, "minute": 40}
